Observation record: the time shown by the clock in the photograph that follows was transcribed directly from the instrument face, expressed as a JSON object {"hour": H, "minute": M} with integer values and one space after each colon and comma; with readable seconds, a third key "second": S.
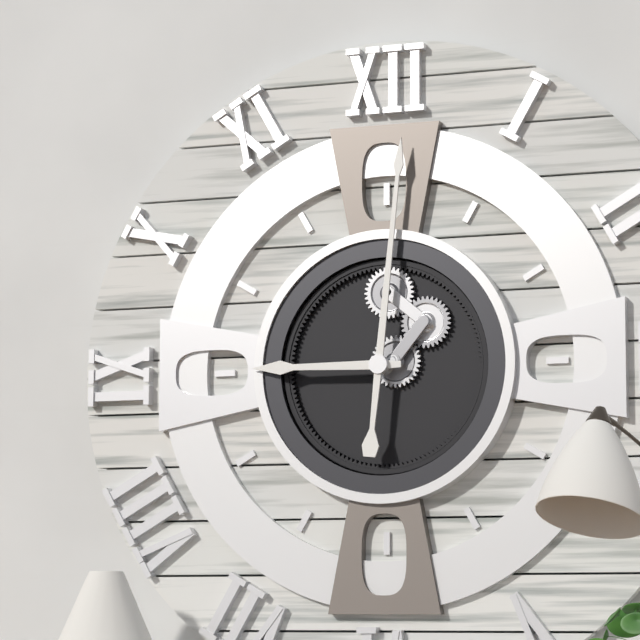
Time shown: {"hour": 9, "minute": 1}
